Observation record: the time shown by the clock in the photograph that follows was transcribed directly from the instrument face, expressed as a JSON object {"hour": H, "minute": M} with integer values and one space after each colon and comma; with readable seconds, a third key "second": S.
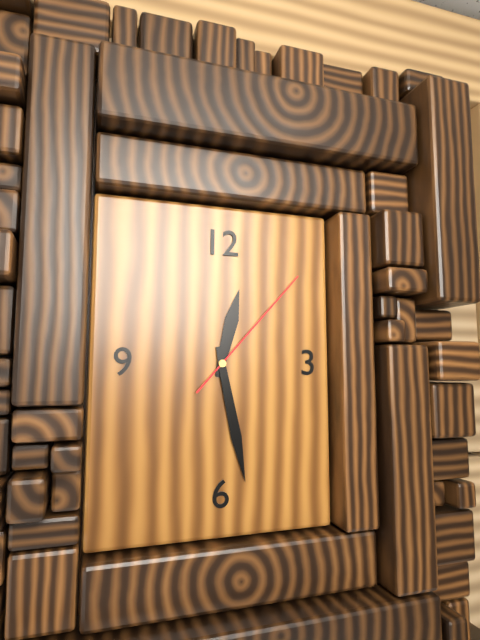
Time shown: {"hour": 12, "minute": 28, "second": 7}
